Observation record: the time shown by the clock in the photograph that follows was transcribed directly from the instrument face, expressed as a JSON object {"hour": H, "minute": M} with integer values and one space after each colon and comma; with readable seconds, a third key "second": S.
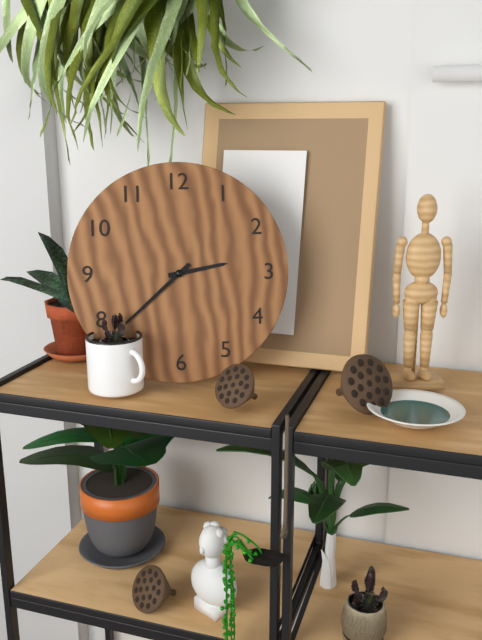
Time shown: {"hour": 2, "minute": 38}
